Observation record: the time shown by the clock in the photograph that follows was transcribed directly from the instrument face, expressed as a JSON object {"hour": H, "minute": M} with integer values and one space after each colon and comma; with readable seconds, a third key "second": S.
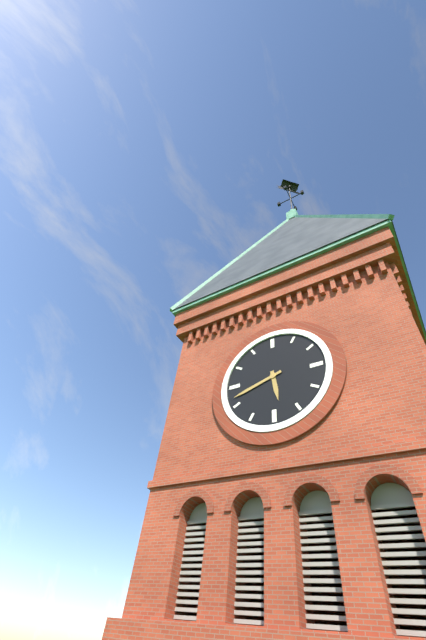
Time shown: {"hour": 5, "minute": 42}
